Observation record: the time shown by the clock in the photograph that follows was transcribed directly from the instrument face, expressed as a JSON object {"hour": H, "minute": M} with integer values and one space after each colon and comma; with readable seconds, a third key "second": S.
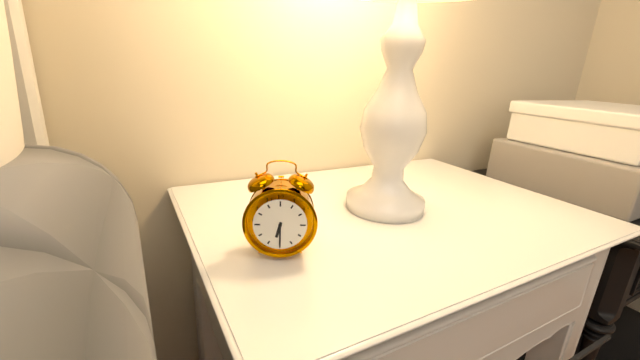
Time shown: {"hour": 6, "minute": 30}
